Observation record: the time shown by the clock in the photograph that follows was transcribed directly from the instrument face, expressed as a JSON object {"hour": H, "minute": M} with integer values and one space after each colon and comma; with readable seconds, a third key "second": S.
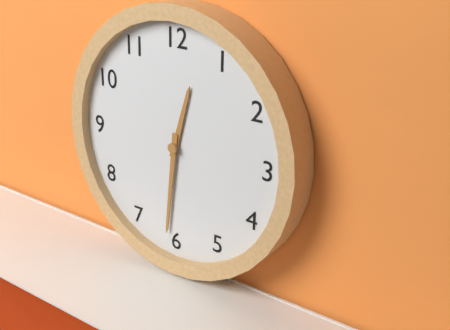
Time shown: {"hour": 12, "minute": 31}
